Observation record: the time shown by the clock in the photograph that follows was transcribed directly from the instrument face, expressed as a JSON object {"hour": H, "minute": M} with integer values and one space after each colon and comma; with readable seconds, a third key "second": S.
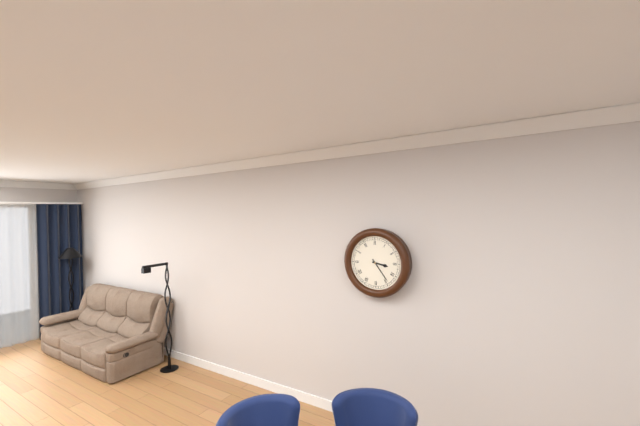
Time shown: {"hour": 3, "minute": 24}
